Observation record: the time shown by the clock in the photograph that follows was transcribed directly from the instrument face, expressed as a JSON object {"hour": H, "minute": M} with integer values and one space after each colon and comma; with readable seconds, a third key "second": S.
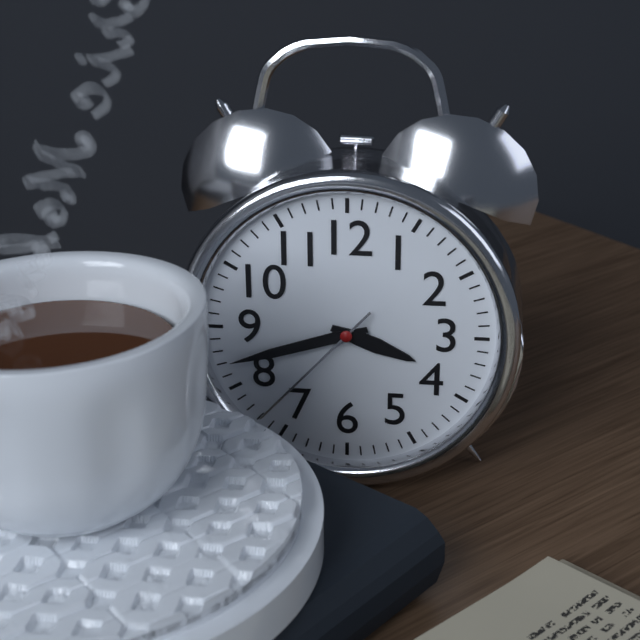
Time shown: {"hour": 3, "minute": 42, "second": 37}
